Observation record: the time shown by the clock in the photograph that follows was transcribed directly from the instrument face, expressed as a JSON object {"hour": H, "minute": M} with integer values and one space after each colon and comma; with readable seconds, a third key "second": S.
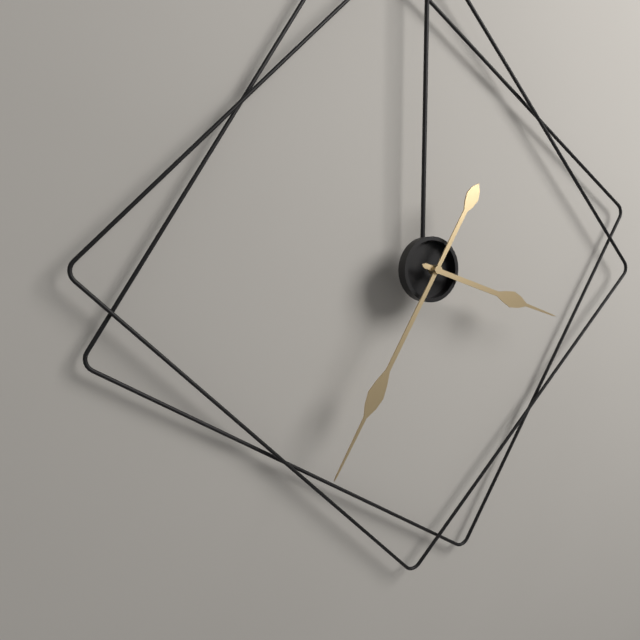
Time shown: {"hour": 3, "minute": 35}
